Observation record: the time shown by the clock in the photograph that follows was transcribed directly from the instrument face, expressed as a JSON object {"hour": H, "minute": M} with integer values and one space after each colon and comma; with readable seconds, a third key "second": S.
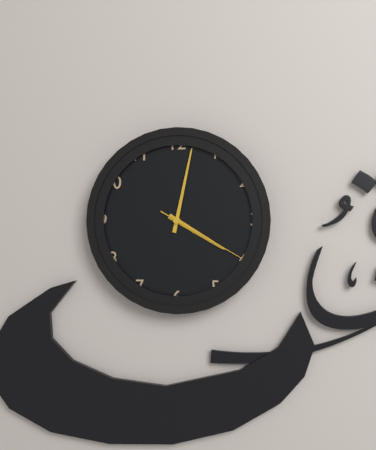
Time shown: {"hour": 4, "minute": 2, "second": 20}
